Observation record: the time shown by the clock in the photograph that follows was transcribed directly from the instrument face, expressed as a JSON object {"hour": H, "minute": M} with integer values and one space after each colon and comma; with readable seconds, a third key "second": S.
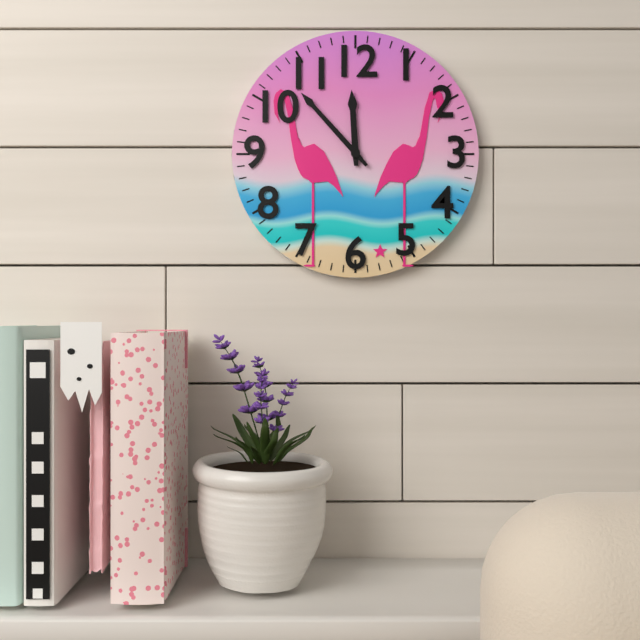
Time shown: {"hour": 11, "minute": 53}
